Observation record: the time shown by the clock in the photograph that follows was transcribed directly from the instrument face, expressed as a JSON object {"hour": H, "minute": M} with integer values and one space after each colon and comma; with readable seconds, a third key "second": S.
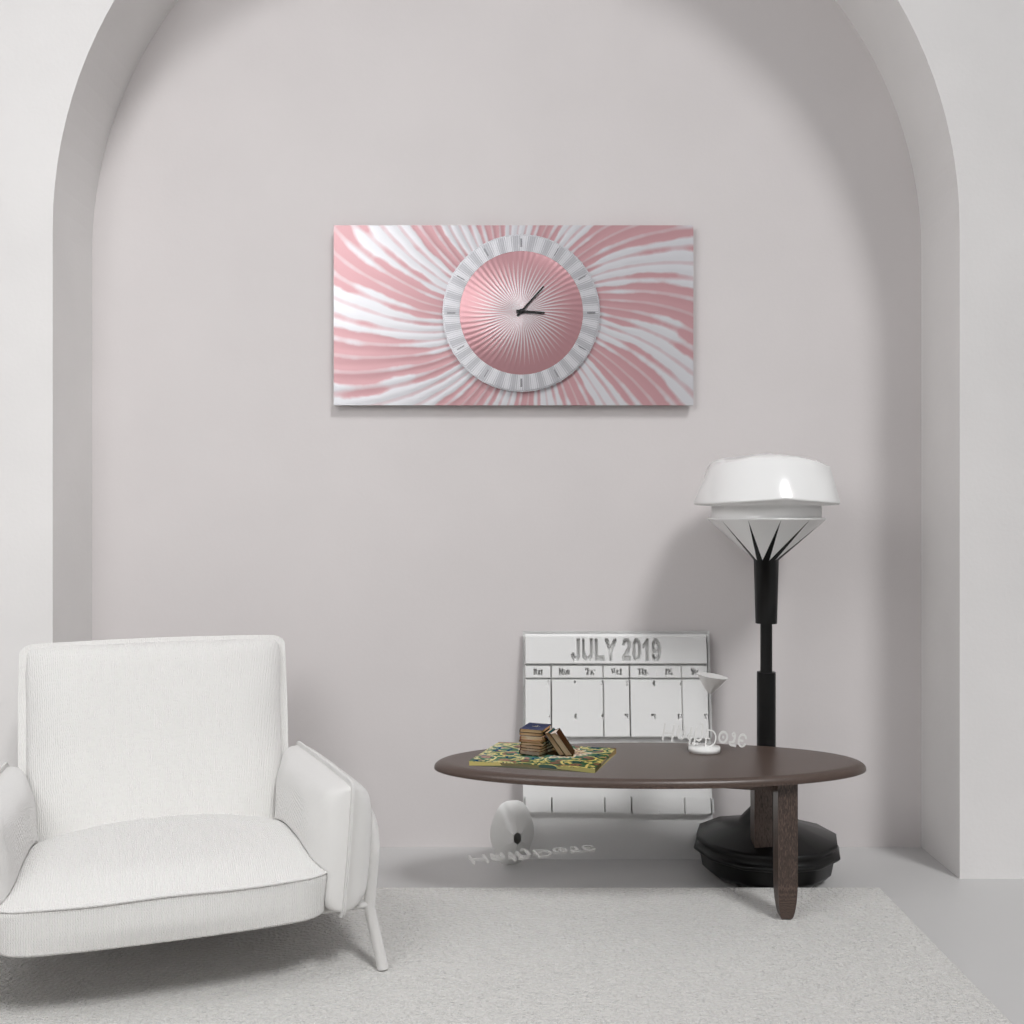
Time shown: {"hour": 3, "minute": 7}
